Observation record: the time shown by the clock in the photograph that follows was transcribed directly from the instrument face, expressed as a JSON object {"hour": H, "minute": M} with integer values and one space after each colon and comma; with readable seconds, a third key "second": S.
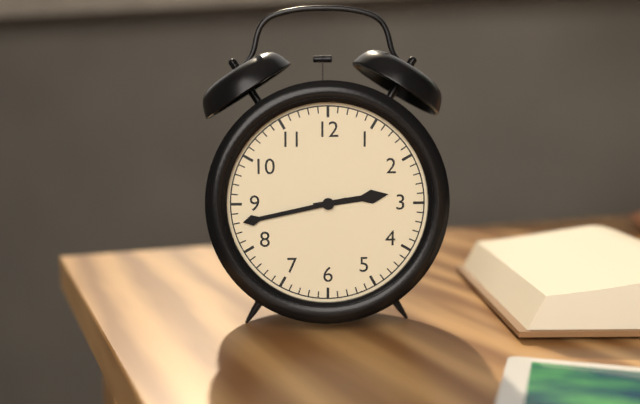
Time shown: {"hour": 2, "minute": 43}
